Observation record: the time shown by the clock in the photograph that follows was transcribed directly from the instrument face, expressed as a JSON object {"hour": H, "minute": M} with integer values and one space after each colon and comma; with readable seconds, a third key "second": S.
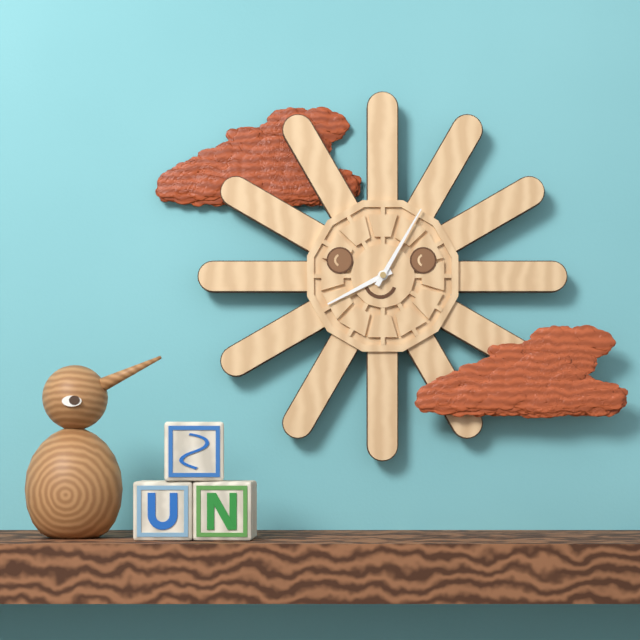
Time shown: {"hour": 8, "minute": 5}
